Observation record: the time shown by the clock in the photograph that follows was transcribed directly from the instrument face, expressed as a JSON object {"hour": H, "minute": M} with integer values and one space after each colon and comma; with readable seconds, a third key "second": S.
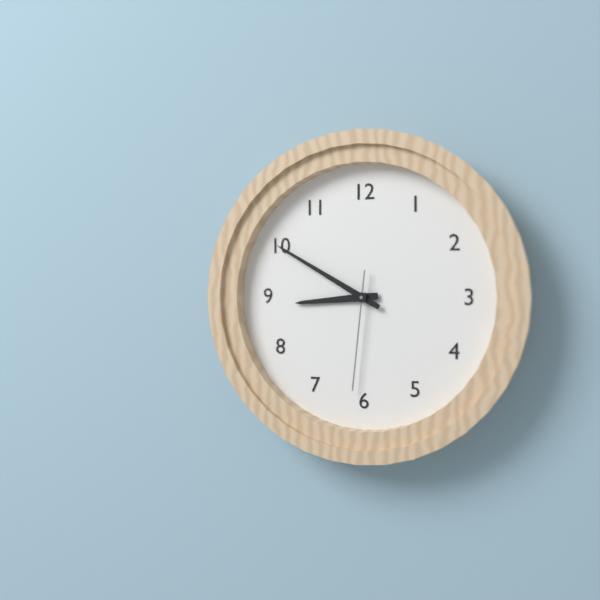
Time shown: {"hour": 8, "minute": 50, "second": 31}
